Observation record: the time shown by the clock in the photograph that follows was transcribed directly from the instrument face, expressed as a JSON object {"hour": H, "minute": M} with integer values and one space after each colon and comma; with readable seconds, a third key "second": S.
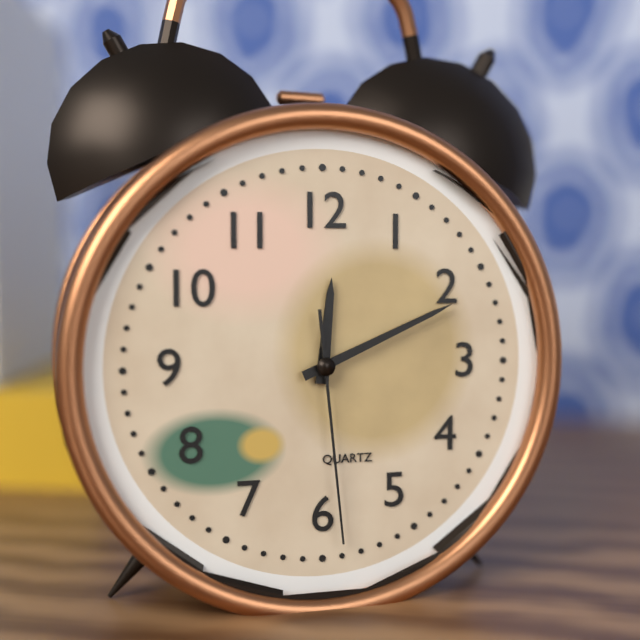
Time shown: {"hour": 12, "minute": 11, "second": 29}
